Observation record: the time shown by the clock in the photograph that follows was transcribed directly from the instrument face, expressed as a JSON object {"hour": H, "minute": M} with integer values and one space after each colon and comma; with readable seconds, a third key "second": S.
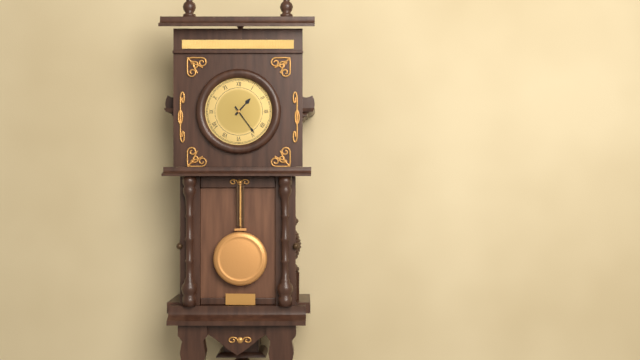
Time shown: {"hour": 1, "minute": 24}
